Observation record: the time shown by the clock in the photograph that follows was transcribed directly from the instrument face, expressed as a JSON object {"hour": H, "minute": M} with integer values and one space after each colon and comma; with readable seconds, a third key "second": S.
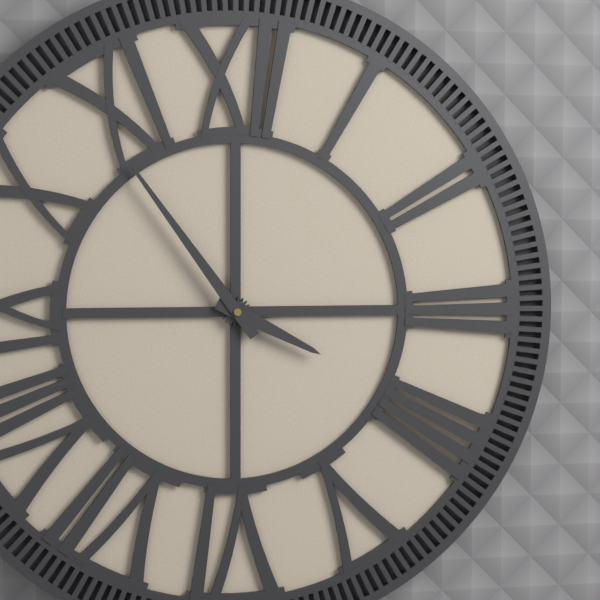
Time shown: {"hour": 3, "minute": 54}
